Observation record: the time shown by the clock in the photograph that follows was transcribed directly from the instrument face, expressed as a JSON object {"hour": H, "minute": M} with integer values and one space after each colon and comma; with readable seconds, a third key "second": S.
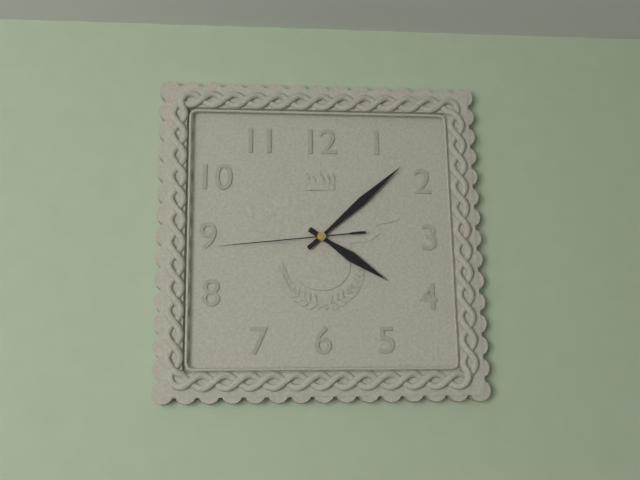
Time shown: {"hour": 4, "minute": 8, "second": 44}
